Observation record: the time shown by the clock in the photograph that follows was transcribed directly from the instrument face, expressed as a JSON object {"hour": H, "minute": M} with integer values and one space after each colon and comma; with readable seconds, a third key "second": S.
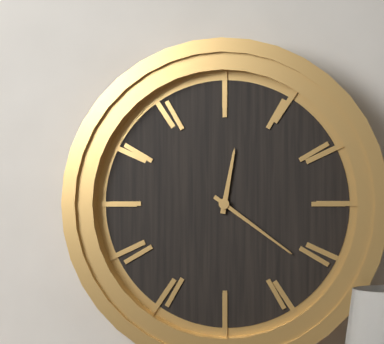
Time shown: {"hour": 12, "minute": 21}
